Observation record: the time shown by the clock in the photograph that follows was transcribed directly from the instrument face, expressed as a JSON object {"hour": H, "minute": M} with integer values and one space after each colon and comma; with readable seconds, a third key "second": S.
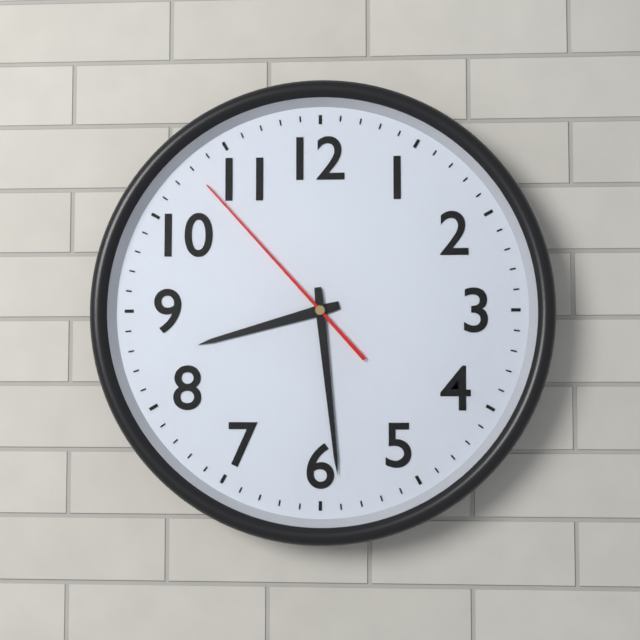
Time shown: {"hour": 8, "minute": 29, "second": 53}
